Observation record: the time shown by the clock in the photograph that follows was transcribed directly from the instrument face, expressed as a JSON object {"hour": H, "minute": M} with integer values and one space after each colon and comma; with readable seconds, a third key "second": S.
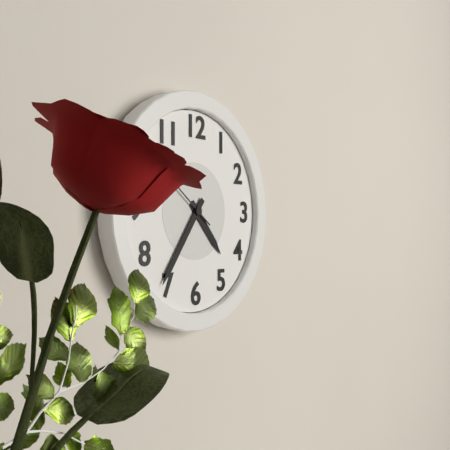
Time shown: {"hour": 4, "minute": 36}
